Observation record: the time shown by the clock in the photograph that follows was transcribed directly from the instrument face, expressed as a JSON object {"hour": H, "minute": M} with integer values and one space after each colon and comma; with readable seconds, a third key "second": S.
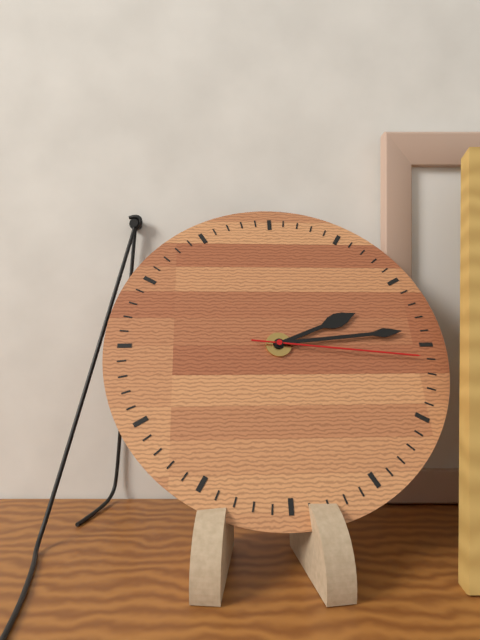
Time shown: {"hour": 2, "minute": 14, "second": 16}
